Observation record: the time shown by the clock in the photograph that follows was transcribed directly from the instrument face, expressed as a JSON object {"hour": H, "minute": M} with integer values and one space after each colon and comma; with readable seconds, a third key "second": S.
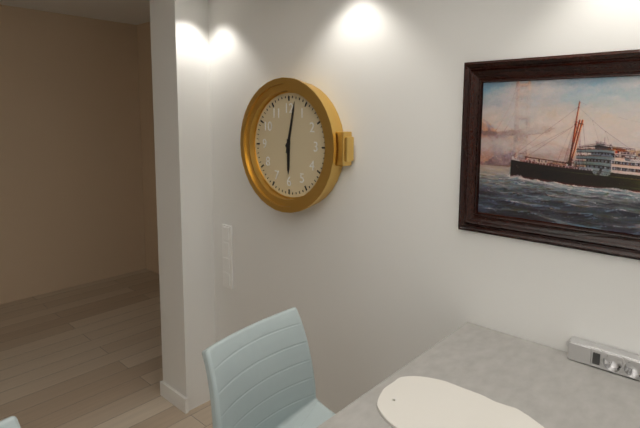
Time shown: {"hour": 6, "minute": 2}
